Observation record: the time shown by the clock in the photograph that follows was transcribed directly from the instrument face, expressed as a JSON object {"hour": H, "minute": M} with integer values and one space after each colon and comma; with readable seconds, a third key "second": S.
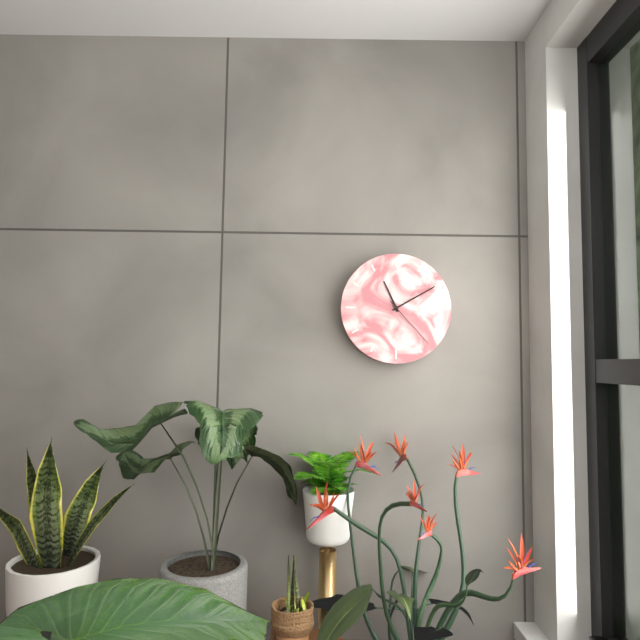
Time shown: {"hour": 11, "minute": 10, "second": 23}
